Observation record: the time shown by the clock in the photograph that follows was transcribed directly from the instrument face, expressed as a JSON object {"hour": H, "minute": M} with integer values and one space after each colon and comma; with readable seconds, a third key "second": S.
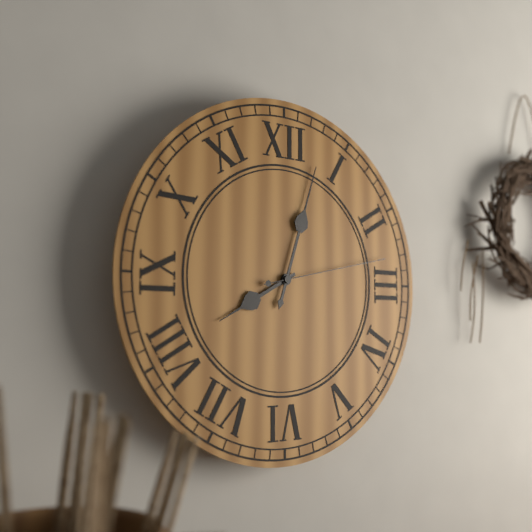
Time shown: {"hour": 8, "minute": 3, "second": 13}
